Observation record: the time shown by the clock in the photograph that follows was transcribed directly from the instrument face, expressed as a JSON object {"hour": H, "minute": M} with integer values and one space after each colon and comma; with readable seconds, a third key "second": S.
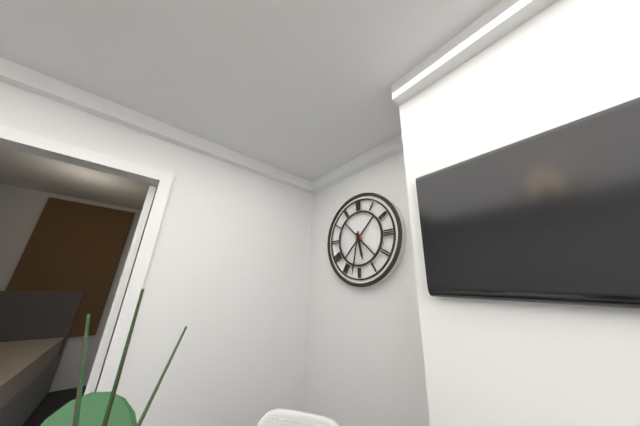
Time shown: {"hour": 5, "minute": 32}
